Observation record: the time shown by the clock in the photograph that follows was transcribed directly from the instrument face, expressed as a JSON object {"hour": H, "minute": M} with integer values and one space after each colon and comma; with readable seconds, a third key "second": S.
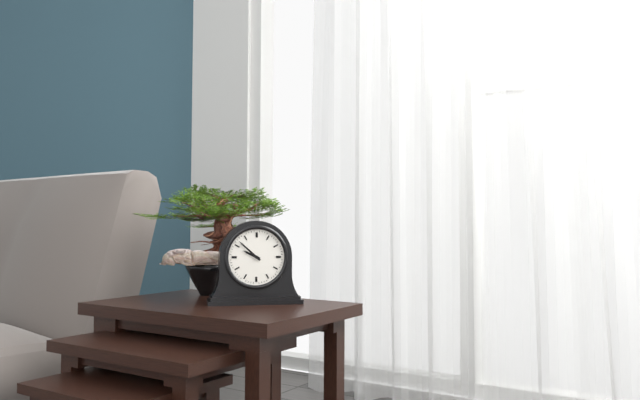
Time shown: {"hour": 9, "minute": 52}
